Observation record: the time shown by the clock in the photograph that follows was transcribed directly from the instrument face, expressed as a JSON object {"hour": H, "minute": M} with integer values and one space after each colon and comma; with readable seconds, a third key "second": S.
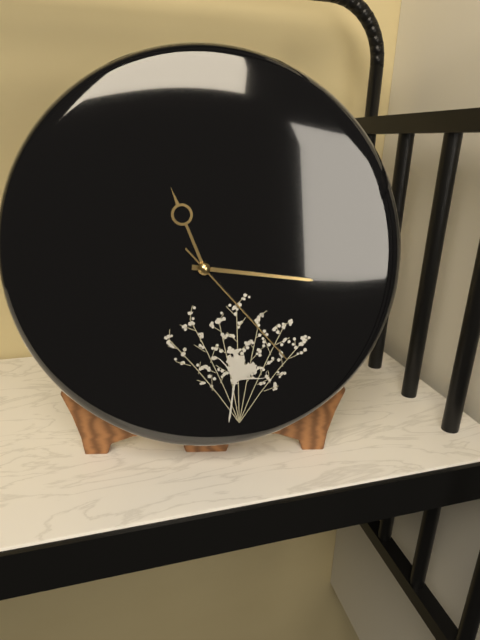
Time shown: {"hour": 11, "minute": 16, "second": 23}
